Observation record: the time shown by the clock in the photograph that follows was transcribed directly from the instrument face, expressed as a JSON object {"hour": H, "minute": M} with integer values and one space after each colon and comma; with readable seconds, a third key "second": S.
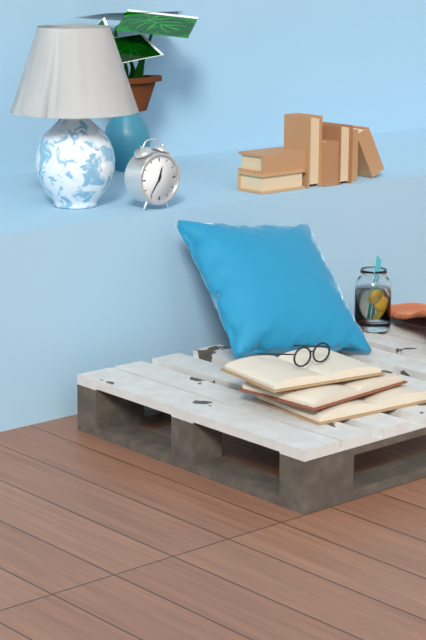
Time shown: {"hour": 12, "minute": 36}
